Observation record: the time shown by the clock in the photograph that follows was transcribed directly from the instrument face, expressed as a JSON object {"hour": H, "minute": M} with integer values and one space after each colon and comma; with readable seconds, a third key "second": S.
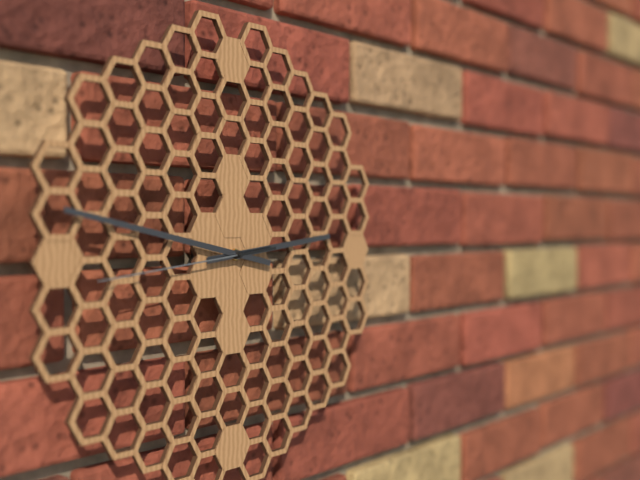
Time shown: {"hour": 2, "minute": 47, "second": 44}
